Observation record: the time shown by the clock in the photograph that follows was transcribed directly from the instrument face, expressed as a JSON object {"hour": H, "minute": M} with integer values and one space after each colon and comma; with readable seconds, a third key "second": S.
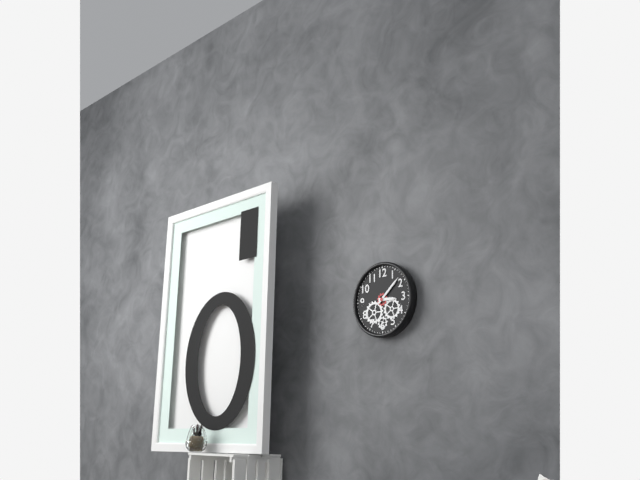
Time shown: {"hour": 3, "minute": 8}
